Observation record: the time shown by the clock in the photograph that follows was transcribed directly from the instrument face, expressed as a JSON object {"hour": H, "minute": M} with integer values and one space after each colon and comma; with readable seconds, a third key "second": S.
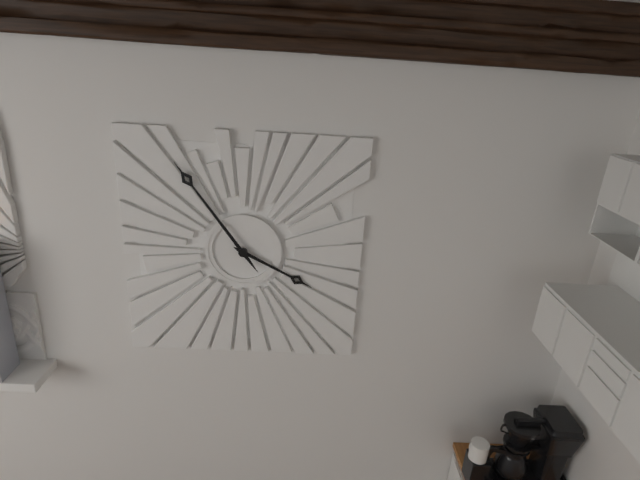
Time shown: {"hour": 3, "minute": 54}
